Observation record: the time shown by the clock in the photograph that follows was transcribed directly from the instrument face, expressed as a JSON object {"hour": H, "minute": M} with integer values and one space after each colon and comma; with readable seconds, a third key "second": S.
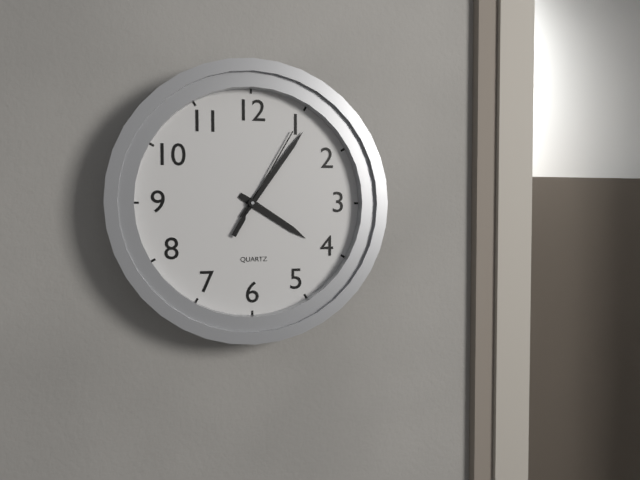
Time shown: {"hour": 4, "minute": 6, "second": 5}
